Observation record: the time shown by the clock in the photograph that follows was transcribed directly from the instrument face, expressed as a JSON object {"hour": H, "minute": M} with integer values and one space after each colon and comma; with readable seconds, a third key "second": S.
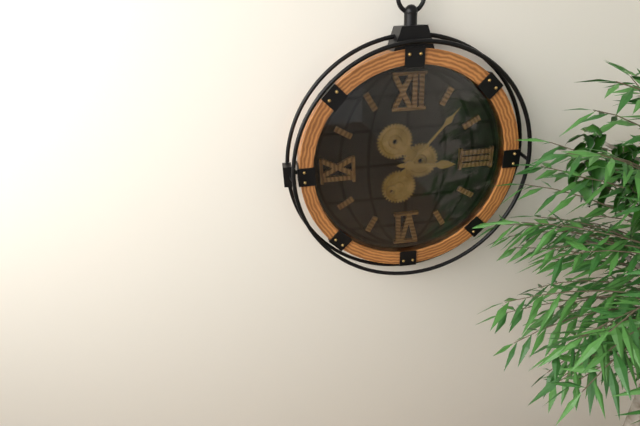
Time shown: {"hour": 3, "minute": 7}
